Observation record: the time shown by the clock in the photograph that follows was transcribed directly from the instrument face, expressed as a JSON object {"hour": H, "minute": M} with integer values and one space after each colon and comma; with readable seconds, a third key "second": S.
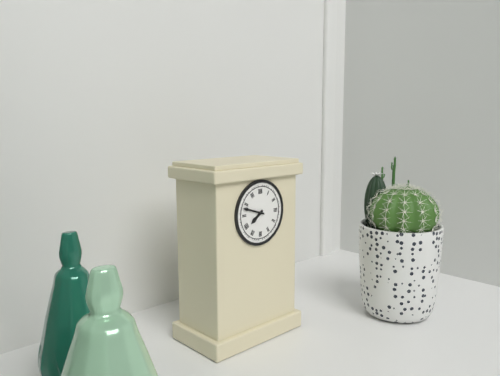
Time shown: {"hour": 7, "minute": 48}
